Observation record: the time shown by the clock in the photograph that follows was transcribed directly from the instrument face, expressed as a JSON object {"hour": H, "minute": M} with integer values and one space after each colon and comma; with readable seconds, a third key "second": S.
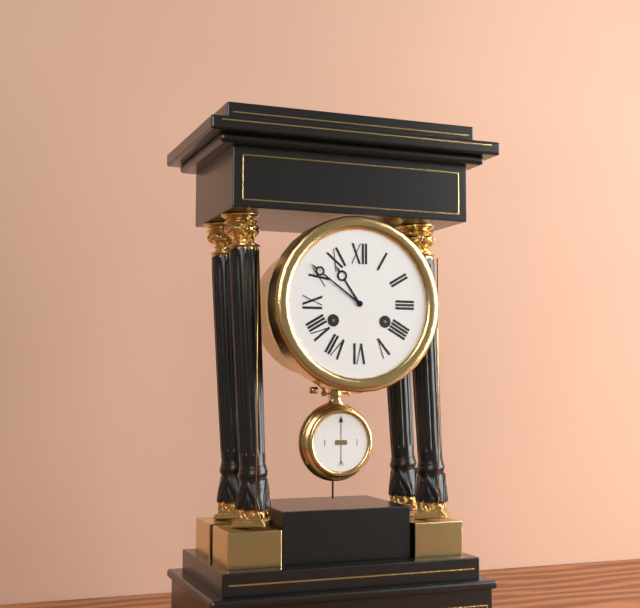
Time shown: {"hour": 10, "minute": 51}
